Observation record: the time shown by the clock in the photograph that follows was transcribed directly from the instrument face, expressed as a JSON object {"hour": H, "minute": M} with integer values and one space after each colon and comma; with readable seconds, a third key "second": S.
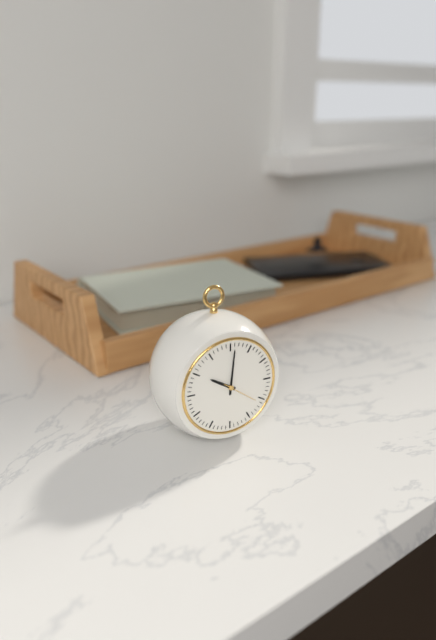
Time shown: {"hour": 10, "minute": 1}
